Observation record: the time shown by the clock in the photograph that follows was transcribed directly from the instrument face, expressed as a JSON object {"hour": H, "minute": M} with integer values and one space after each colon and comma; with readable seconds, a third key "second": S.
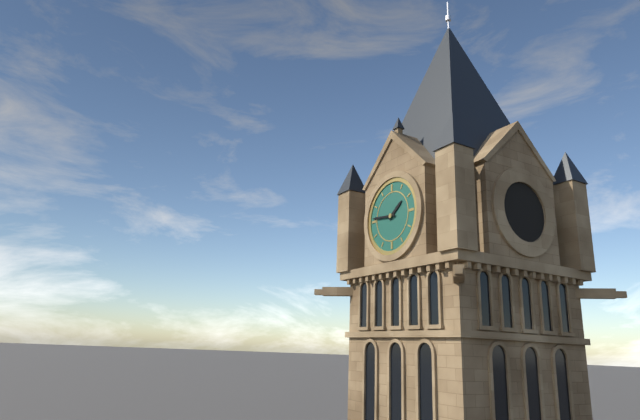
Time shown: {"hour": 1, "minute": 46}
